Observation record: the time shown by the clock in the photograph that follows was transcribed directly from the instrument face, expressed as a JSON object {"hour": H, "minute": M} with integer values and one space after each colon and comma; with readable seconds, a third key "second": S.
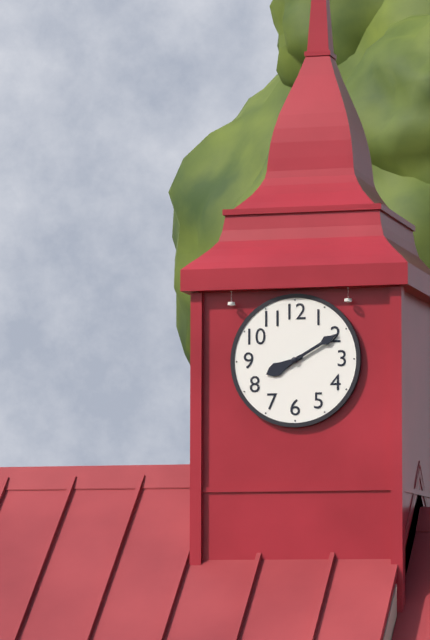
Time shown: {"hour": 8, "minute": 10}
